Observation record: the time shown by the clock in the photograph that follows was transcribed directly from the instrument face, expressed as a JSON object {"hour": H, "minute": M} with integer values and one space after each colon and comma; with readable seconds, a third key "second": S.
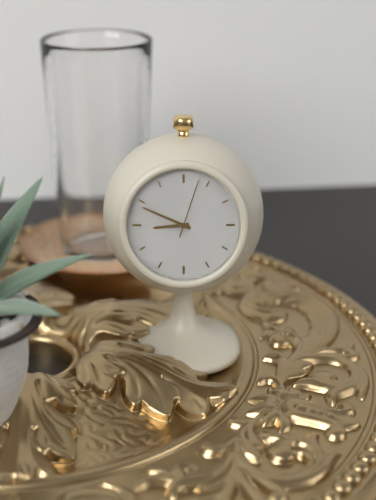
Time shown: {"hour": 8, "minute": 49, "second": 3}
